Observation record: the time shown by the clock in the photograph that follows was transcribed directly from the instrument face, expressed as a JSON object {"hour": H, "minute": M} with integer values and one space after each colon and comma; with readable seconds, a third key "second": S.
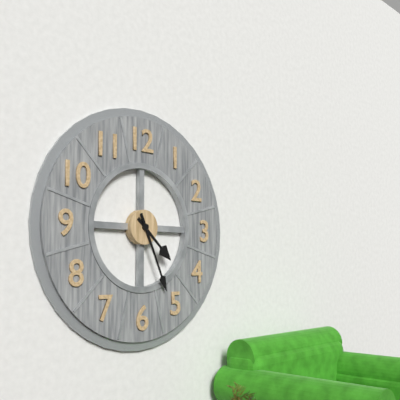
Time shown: {"hour": 4, "minute": 26}
